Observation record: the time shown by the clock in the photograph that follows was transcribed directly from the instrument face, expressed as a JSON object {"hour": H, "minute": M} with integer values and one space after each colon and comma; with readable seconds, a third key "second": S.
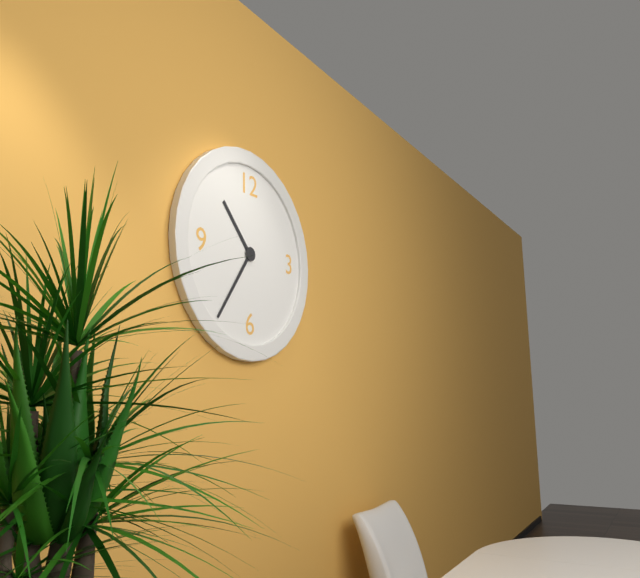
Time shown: {"hour": 10, "minute": 36}
